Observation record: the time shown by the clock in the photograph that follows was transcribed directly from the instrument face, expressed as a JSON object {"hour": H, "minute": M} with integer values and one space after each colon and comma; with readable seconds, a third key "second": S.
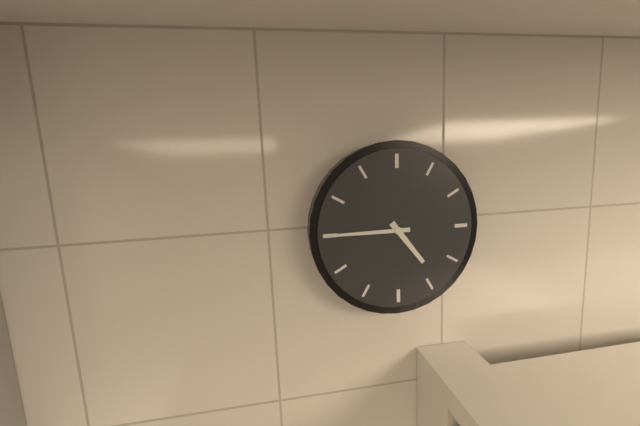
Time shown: {"hour": 4, "minute": 45}
